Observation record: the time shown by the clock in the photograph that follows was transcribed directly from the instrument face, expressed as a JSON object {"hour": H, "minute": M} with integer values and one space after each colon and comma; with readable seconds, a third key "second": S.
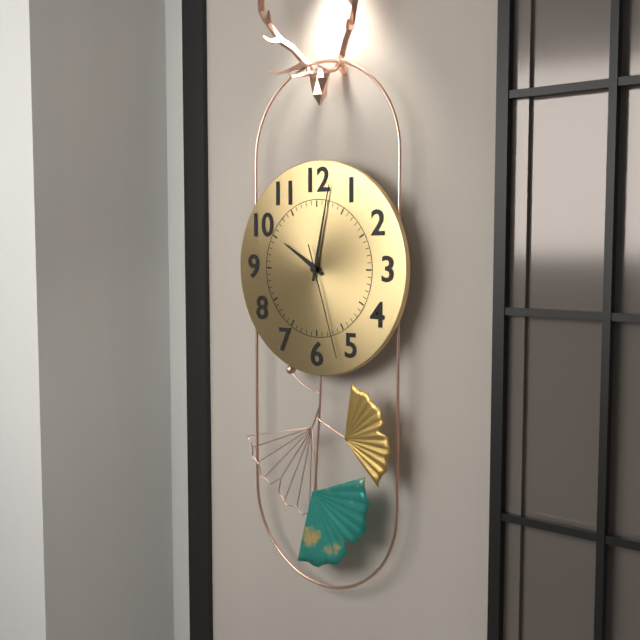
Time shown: {"hour": 10, "minute": 2, "second": 27}
